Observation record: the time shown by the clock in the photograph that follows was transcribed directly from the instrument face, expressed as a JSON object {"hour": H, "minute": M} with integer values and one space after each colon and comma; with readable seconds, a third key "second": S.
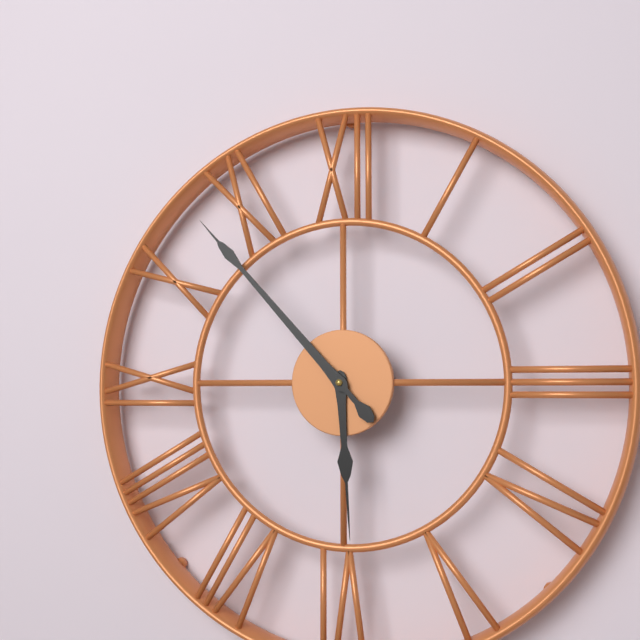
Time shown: {"hour": 5, "minute": 53}
